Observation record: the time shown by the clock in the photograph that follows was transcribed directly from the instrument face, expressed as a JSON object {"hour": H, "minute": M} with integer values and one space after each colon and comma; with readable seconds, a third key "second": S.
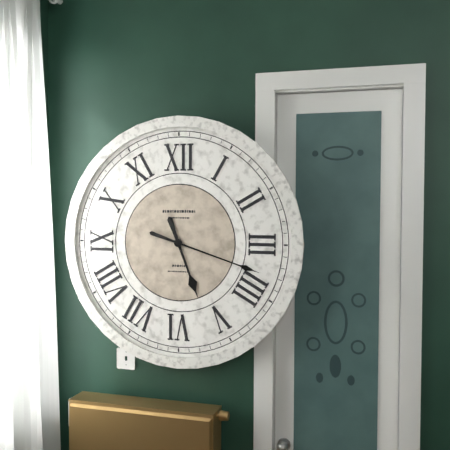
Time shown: {"hour": 5, "minute": 18}
